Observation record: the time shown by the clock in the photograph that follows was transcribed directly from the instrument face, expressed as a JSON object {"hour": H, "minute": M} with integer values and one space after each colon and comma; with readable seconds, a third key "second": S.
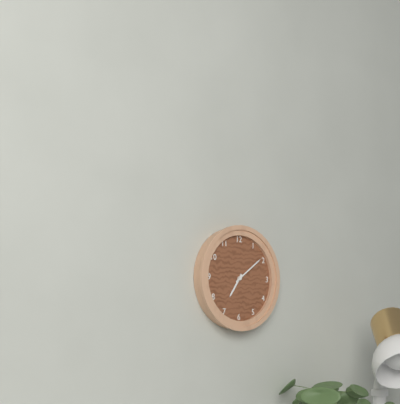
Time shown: {"hour": 7, "minute": 9}
